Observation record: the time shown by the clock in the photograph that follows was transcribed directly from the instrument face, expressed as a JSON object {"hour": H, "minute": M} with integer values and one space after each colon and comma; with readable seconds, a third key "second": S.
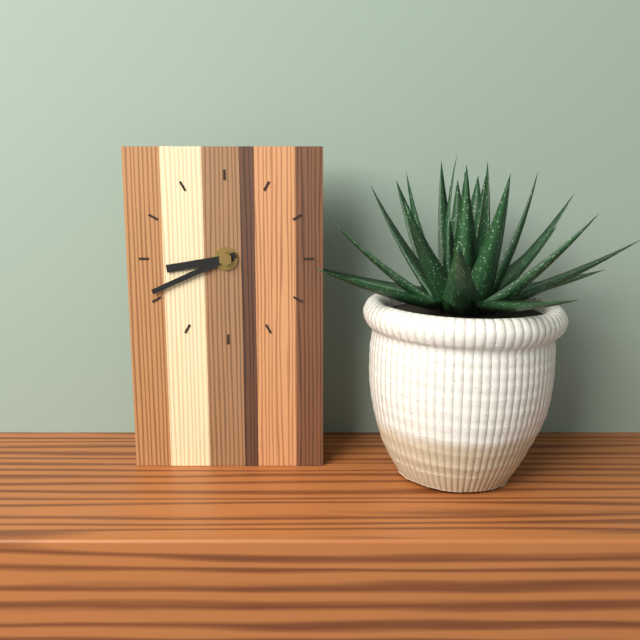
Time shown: {"hour": 8, "minute": 41}
